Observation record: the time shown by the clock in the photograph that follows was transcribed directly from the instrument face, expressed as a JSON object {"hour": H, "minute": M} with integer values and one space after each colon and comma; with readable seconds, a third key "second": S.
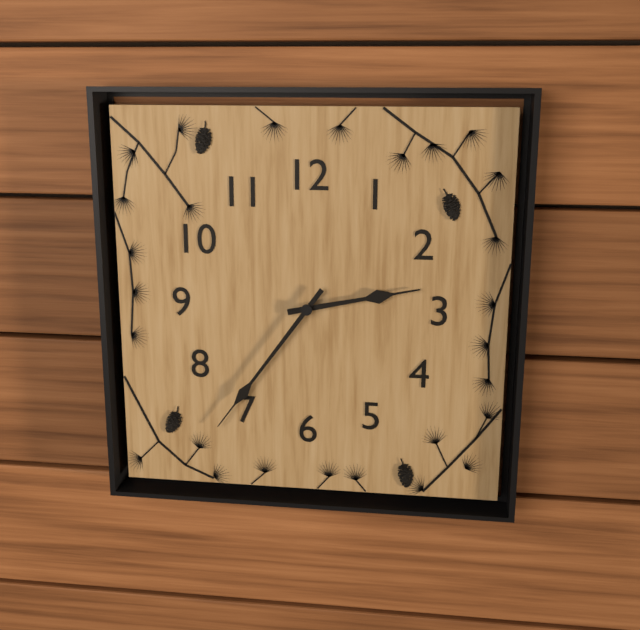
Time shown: {"hour": 2, "minute": 36}
